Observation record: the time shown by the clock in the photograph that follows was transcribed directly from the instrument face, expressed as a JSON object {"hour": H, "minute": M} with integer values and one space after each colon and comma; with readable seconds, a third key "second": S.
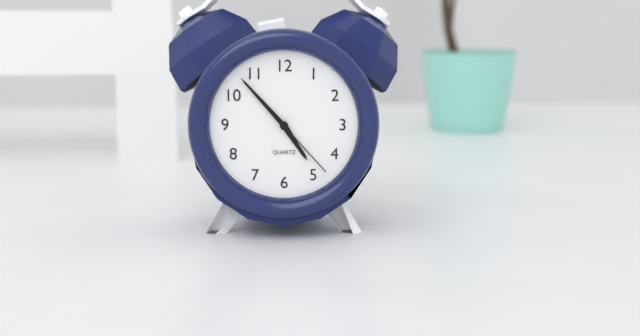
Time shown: {"hour": 4, "minute": 53, "second": 23}
